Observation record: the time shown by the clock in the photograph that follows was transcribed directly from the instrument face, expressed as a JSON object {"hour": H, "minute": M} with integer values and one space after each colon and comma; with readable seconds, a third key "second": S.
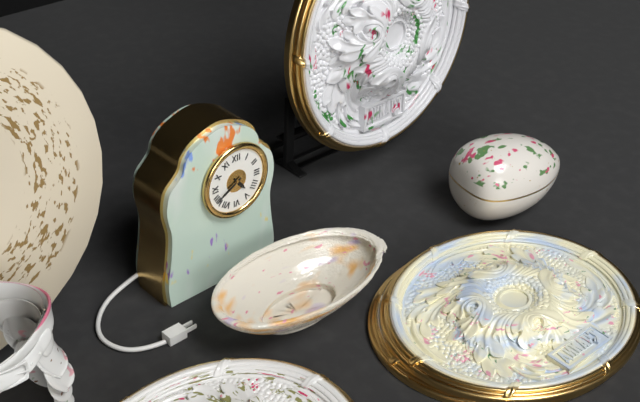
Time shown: {"hour": 4, "minute": 40}
